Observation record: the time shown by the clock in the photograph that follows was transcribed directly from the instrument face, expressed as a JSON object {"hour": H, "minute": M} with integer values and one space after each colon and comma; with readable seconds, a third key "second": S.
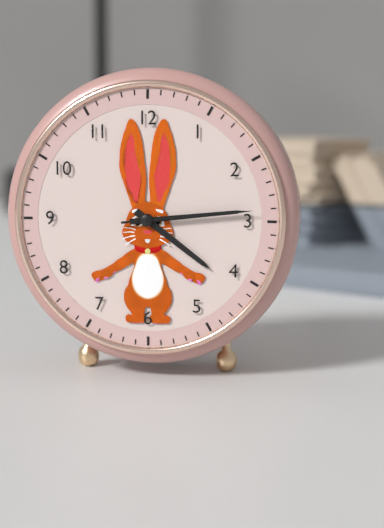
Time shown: {"hour": 4, "minute": 14, "second": 14}
